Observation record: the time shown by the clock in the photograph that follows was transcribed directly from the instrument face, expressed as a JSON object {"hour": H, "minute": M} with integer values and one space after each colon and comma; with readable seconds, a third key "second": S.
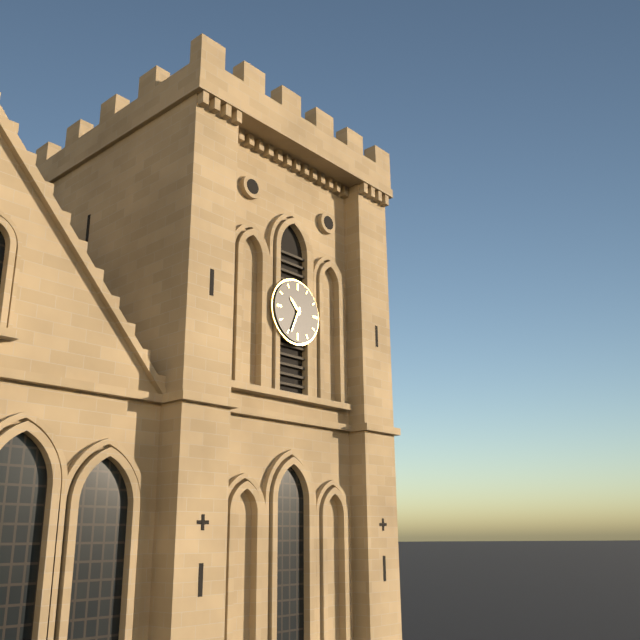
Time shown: {"hour": 10, "minute": 34}
